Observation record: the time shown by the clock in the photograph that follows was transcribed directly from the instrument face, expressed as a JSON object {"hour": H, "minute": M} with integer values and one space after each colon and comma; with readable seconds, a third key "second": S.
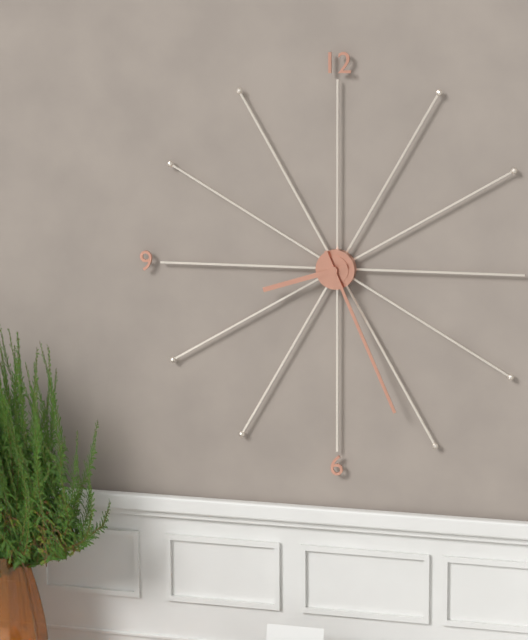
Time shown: {"hour": 8, "minute": 26}
